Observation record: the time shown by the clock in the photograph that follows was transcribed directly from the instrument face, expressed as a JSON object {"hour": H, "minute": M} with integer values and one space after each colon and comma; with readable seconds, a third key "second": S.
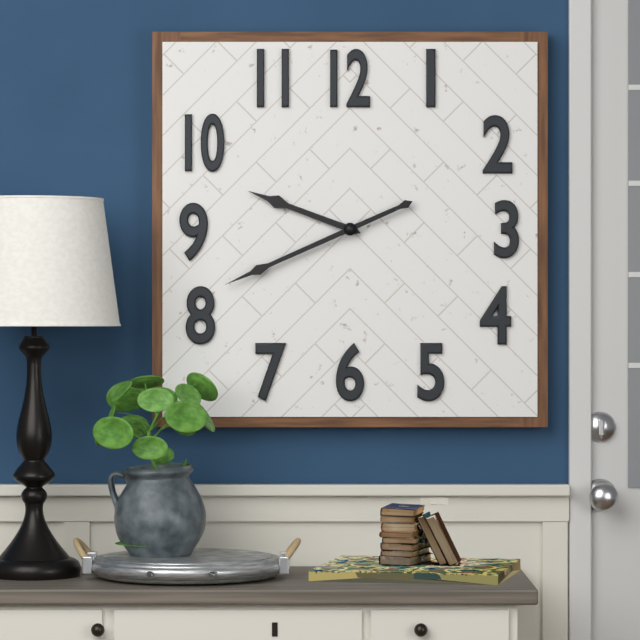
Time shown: {"hour": 9, "minute": 41}
